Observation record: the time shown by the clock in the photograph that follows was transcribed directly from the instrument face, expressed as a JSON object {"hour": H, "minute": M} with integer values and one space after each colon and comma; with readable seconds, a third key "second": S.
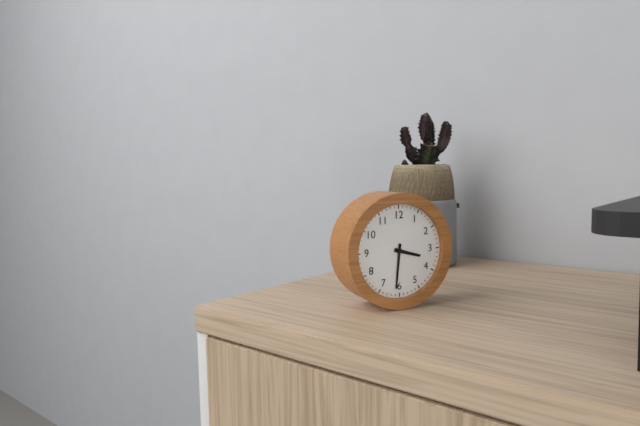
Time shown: {"hour": 3, "minute": 31}
